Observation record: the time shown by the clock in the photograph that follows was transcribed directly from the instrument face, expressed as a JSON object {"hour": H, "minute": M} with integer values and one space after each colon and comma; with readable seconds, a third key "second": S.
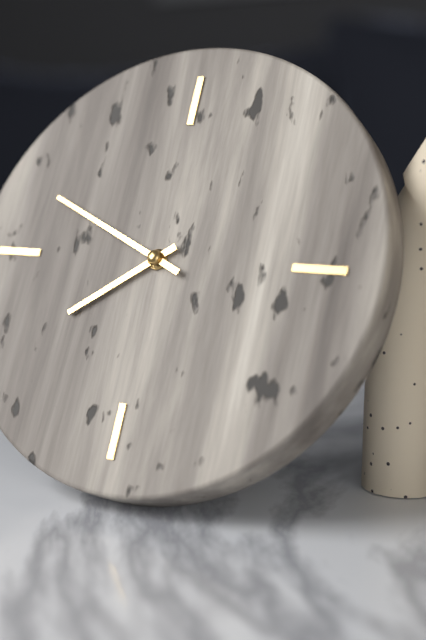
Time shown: {"hour": 7, "minute": 49}
